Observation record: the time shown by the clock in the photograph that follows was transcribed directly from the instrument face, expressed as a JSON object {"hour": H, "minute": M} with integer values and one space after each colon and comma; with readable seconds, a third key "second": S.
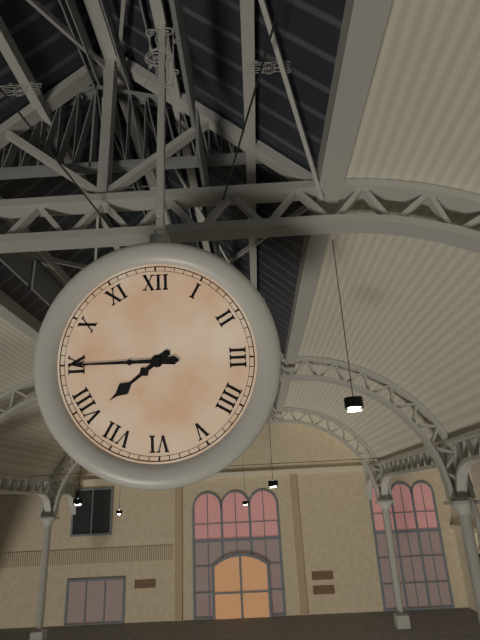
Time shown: {"hour": 7, "minute": 45}
